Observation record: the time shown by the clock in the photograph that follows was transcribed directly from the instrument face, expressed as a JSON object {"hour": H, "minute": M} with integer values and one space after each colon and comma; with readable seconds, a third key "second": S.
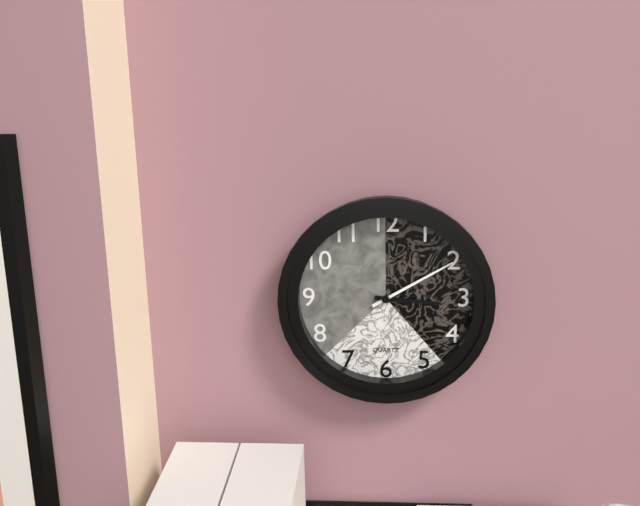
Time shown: {"hour": 3, "minute": 10}
